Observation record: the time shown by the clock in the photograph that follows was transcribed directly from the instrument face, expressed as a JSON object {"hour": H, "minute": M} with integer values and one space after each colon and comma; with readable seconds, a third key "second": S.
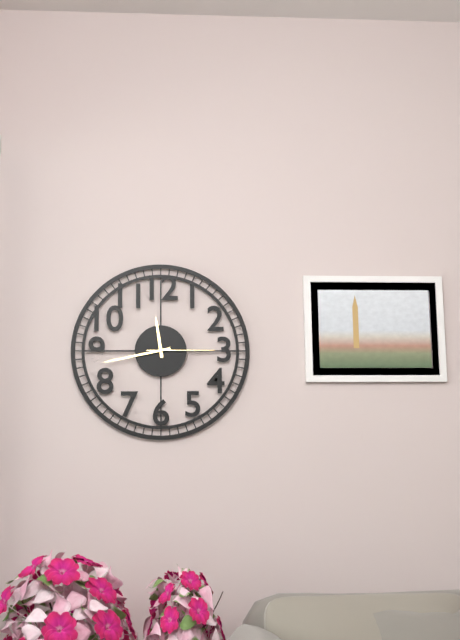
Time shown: {"hour": 11, "minute": 43, "second": 15}
